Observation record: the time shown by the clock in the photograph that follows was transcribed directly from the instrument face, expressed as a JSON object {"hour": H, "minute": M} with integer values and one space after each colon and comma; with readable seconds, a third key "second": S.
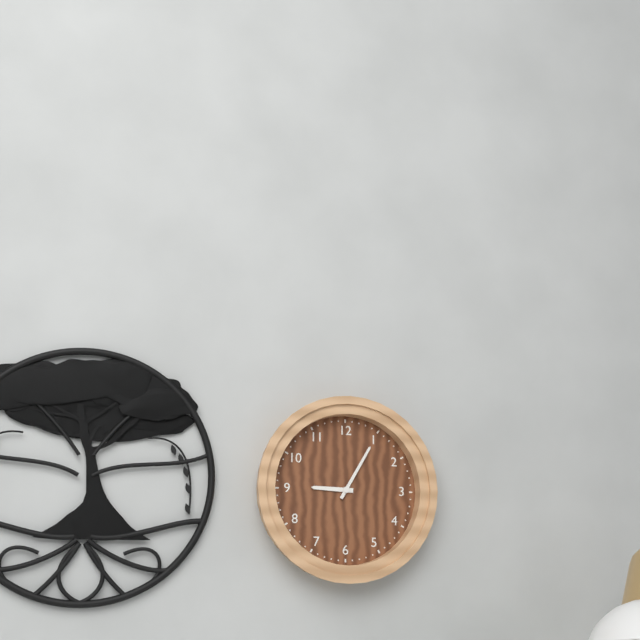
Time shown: {"hour": 9, "minute": 5}
